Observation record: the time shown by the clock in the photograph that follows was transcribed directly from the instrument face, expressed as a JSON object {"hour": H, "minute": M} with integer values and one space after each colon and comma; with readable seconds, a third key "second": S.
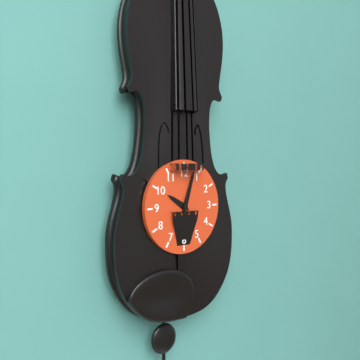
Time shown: {"hour": 10, "minute": 3}
